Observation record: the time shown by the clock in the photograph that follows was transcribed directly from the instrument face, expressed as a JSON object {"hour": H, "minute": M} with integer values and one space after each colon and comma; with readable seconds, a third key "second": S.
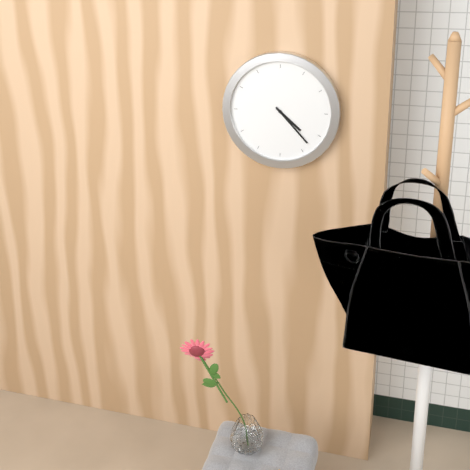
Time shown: {"hour": 4, "minute": 23}
